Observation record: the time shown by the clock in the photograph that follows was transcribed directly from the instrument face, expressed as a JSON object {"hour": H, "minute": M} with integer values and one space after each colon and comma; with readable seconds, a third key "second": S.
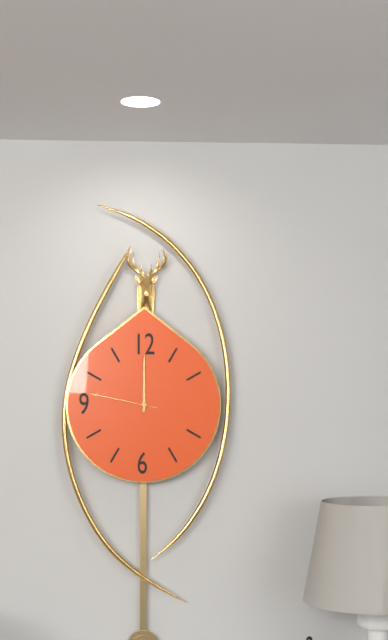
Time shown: {"hour": 12, "minute": 0, "second": 47}
